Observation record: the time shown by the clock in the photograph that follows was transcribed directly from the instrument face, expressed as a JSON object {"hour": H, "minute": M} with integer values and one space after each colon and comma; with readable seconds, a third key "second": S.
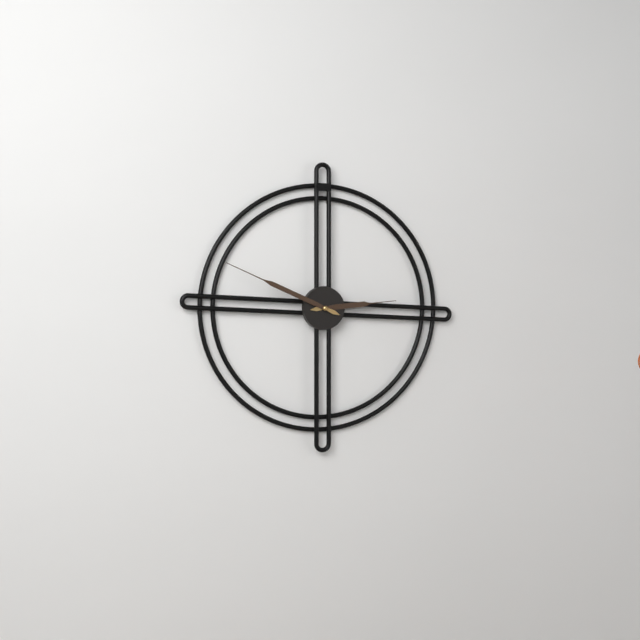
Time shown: {"hour": 2, "minute": 49}
